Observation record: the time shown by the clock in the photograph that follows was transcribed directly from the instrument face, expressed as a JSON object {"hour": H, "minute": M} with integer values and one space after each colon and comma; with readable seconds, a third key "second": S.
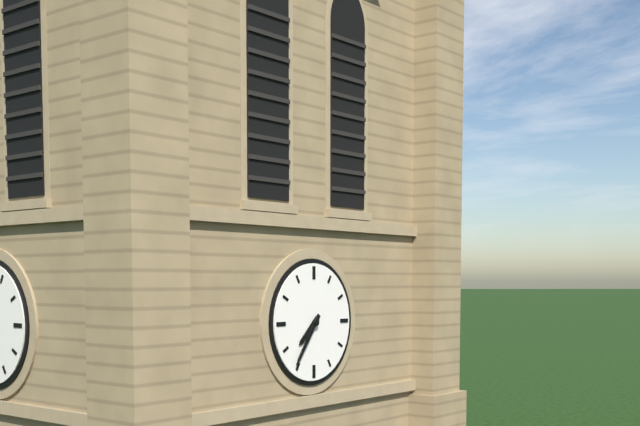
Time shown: {"hour": 7, "minute": 36}
